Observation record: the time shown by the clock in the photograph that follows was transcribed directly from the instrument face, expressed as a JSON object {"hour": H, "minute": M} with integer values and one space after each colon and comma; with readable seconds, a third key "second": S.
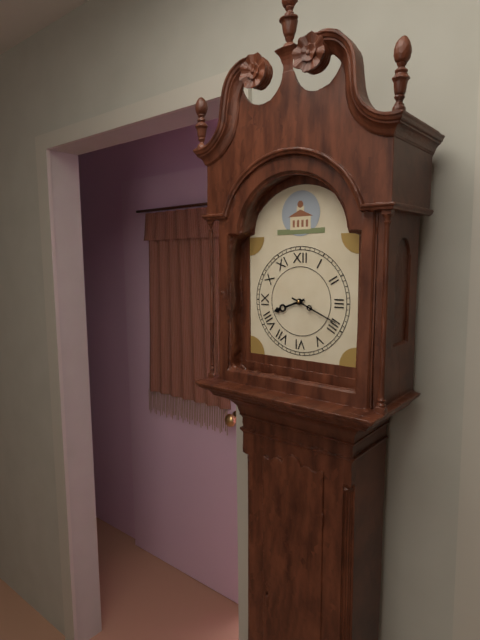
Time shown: {"hour": 8, "minute": 19}
